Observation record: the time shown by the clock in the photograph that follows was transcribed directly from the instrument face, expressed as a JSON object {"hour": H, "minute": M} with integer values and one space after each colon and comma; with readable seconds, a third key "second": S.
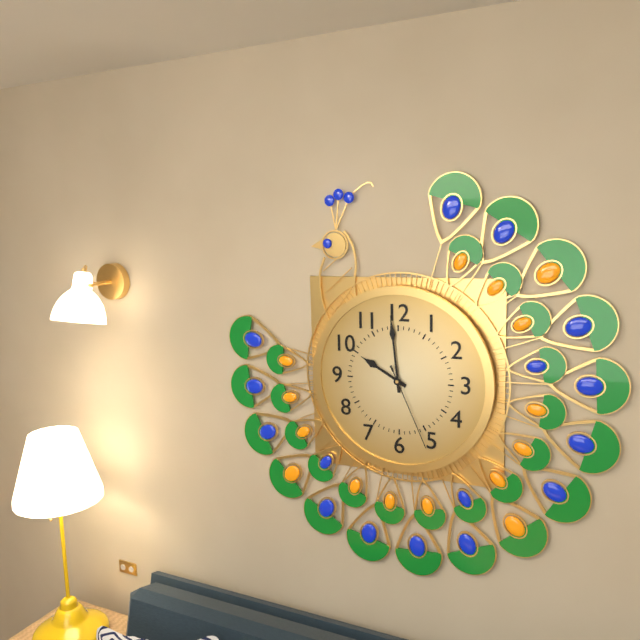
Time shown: {"hour": 9, "minute": 59, "second": 26}
